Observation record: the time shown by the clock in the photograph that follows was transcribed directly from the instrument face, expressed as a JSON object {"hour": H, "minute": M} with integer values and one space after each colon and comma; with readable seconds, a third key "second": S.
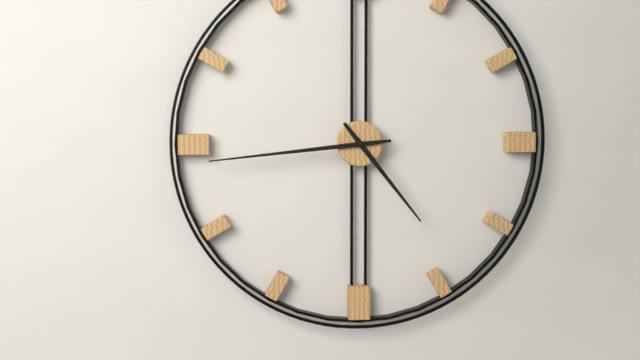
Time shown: {"hour": 4, "minute": 44}
